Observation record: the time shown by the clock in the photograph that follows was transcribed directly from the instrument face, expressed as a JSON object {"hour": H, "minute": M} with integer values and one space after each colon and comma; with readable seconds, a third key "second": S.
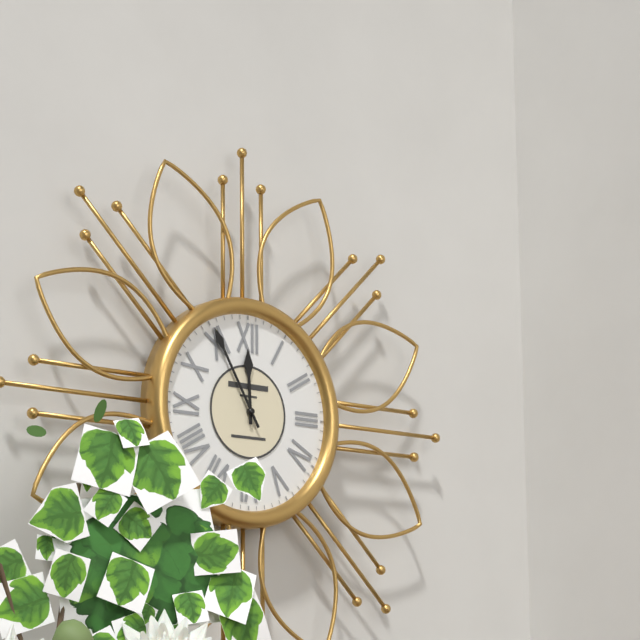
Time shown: {"hour": 11, "minute": 55}
